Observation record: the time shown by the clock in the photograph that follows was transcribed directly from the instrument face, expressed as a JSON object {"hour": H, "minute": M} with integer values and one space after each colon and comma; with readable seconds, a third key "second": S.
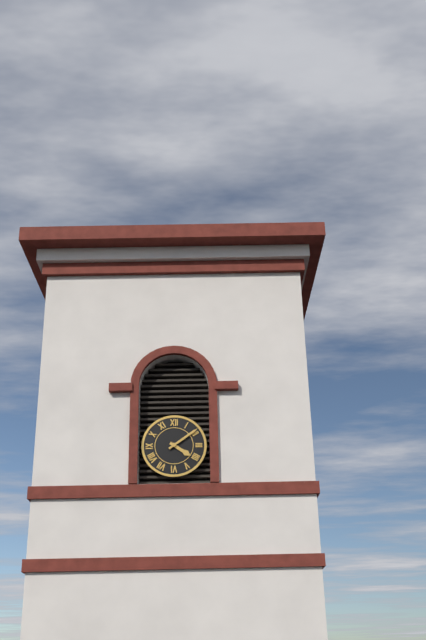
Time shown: {"hour": 4, "minute": 9}
